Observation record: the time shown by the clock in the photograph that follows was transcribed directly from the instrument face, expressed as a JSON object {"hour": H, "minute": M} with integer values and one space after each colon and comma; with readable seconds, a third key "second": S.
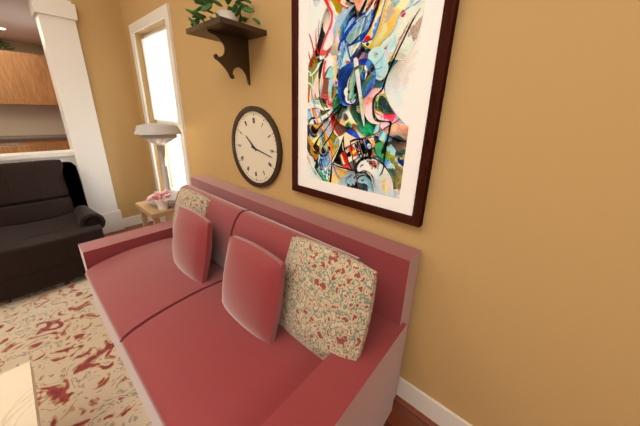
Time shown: {"hour": 10, "minute": 17}
